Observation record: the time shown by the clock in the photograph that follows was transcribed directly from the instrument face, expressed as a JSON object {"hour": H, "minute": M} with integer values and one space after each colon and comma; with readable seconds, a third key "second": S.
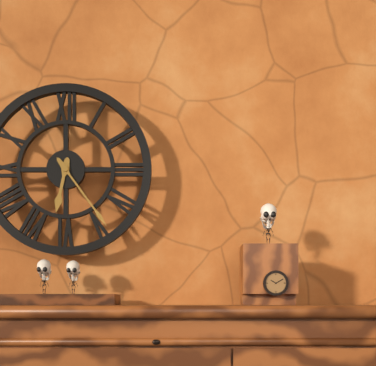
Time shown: {"hour": 6, "minute": 24}
